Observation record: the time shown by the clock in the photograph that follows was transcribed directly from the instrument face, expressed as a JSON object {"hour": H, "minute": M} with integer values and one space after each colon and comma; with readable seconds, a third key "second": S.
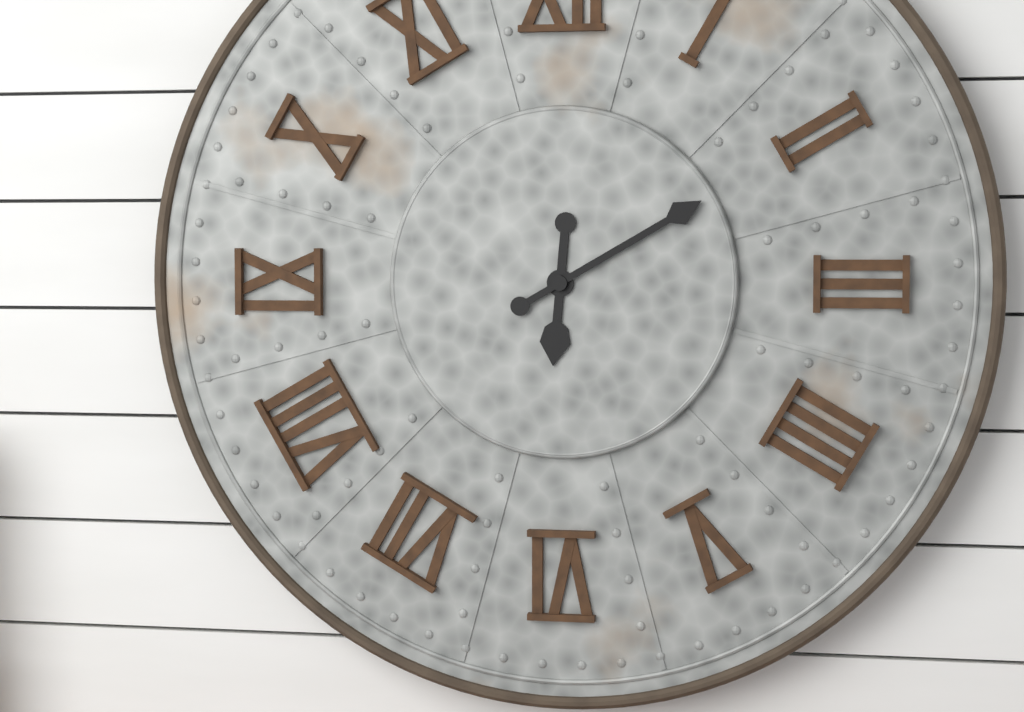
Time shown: {"hour": 6, "minute": 10}
